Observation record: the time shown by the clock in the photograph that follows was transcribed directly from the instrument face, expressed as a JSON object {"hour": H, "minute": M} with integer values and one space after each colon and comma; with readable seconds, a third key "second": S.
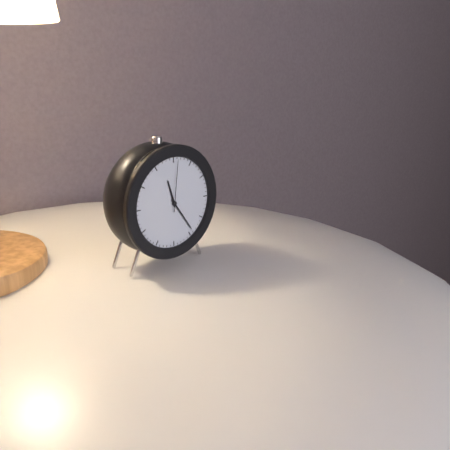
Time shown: {"hour": 11, "minute": 24, "second": 1}
